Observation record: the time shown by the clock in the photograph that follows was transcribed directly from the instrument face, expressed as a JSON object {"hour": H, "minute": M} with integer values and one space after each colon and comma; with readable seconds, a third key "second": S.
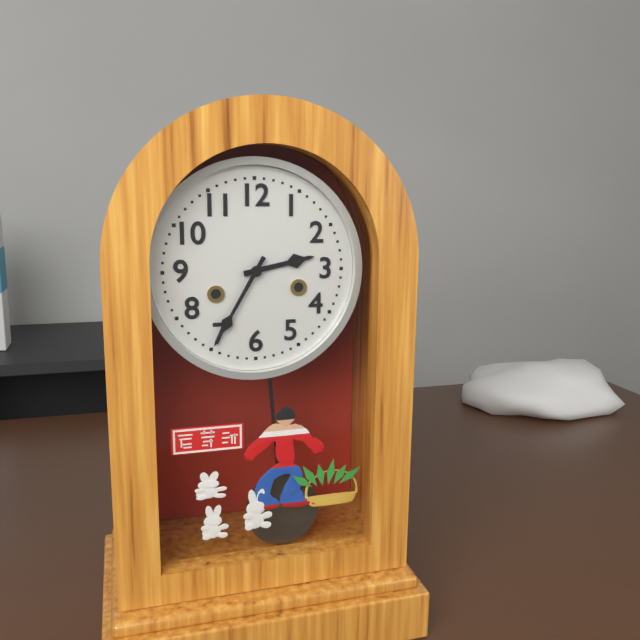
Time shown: {"hour": 2, "minute": 35}
